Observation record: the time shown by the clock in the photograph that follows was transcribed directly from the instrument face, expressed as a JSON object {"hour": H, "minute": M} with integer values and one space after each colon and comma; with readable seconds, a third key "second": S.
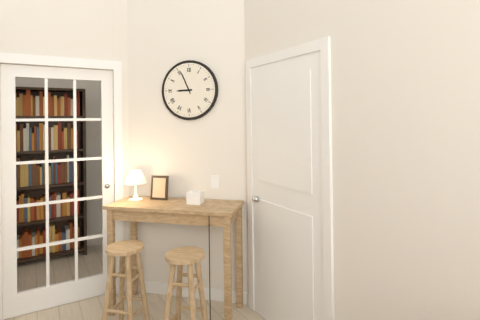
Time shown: {"hour": 8, "minute": 56}
